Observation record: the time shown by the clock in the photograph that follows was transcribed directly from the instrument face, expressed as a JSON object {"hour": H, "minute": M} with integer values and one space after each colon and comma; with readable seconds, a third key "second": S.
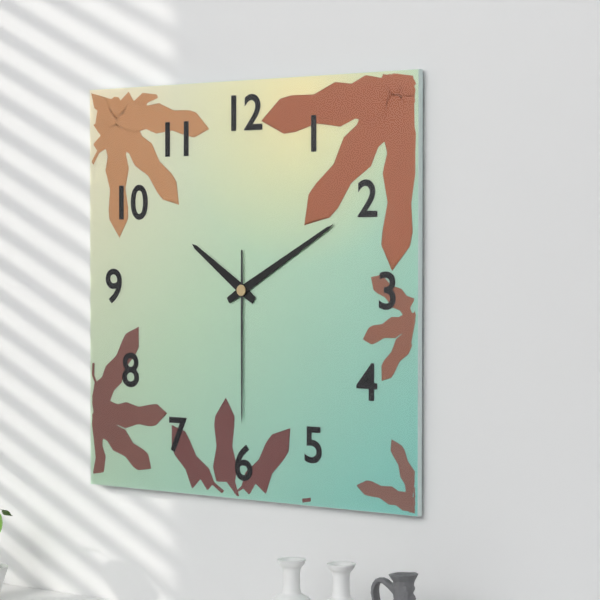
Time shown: {"hour": 10, "minute": 10, "second": 30}
